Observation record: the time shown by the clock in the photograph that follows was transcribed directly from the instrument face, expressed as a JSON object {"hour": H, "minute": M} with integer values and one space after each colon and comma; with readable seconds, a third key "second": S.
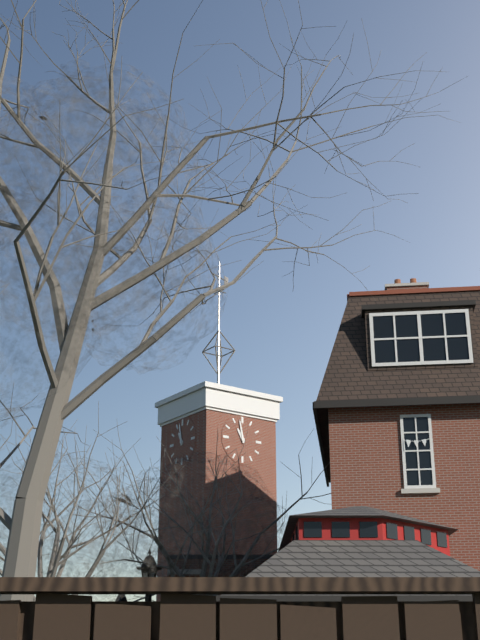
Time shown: {"hour": 10, "minute": 58}
